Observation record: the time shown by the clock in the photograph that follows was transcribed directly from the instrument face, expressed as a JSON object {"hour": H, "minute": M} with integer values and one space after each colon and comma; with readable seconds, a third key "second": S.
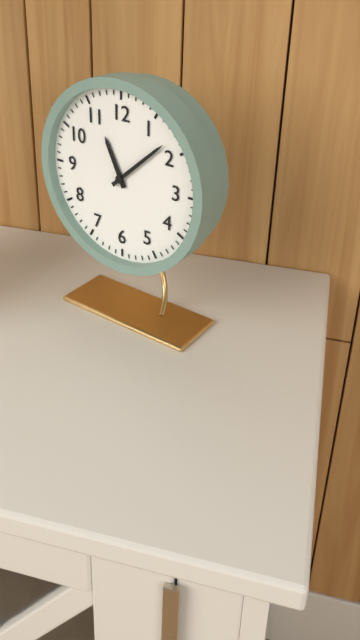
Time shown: {"hour": 11, "minute": 8}
